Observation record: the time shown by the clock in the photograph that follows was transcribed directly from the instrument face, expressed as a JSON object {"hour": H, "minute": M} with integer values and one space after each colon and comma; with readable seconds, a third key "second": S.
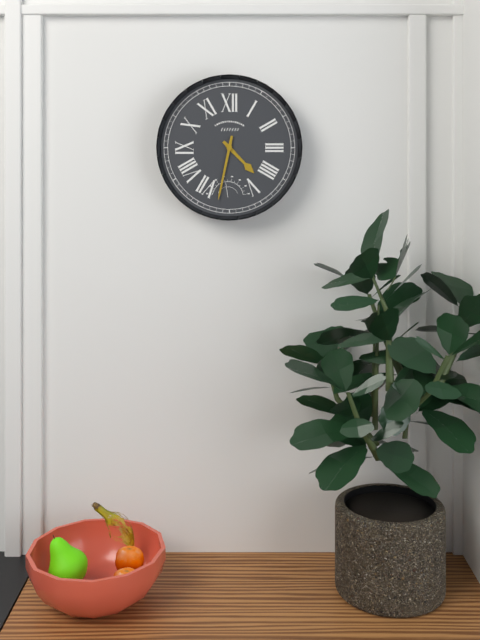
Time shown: {"hour": 4, "minute": 32}
